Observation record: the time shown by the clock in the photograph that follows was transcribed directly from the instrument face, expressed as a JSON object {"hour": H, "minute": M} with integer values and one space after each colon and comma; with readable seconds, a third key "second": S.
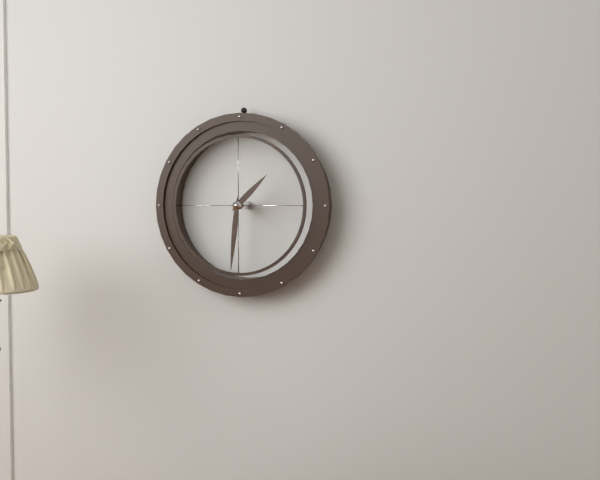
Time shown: {"hour": 1, "minute": 31}
